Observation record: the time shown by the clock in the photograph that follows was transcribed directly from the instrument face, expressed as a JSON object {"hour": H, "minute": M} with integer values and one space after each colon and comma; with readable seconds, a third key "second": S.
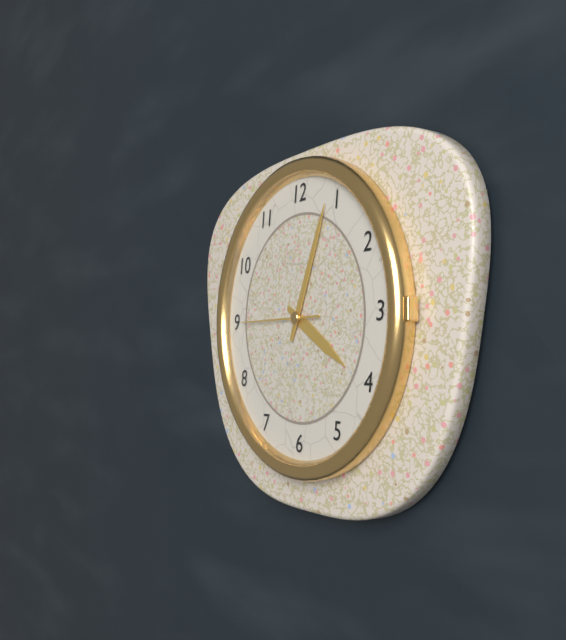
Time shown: {"hour": 4, "minute": 4, "second": 45}
